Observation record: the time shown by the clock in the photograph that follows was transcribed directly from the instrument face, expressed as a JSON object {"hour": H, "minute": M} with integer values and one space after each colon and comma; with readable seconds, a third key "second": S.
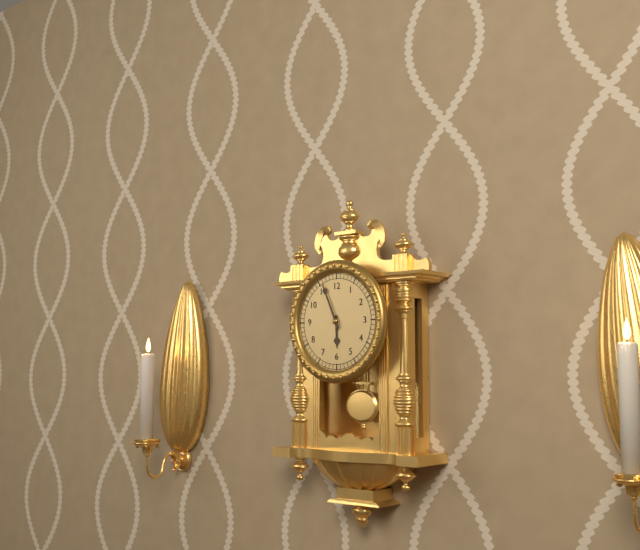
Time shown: {"hour": 5, "minute": 56}
